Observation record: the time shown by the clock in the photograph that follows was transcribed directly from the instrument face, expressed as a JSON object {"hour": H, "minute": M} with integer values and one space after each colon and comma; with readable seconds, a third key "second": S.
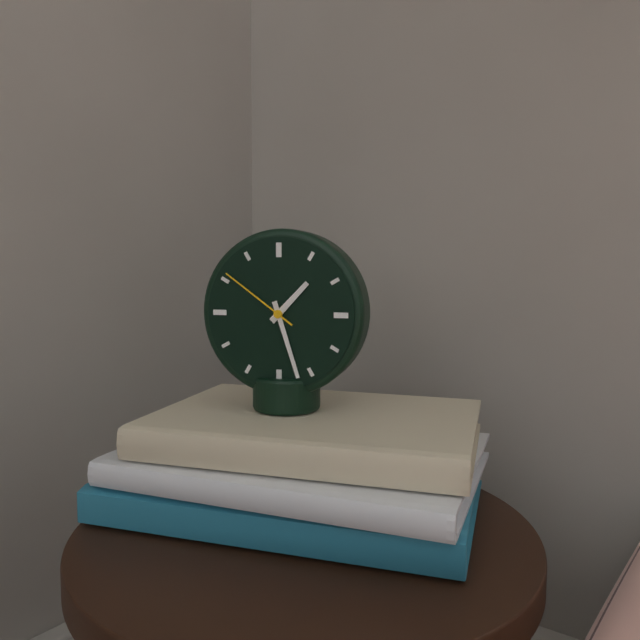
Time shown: {"hour": 1, "minute": 27, "second": 51}
